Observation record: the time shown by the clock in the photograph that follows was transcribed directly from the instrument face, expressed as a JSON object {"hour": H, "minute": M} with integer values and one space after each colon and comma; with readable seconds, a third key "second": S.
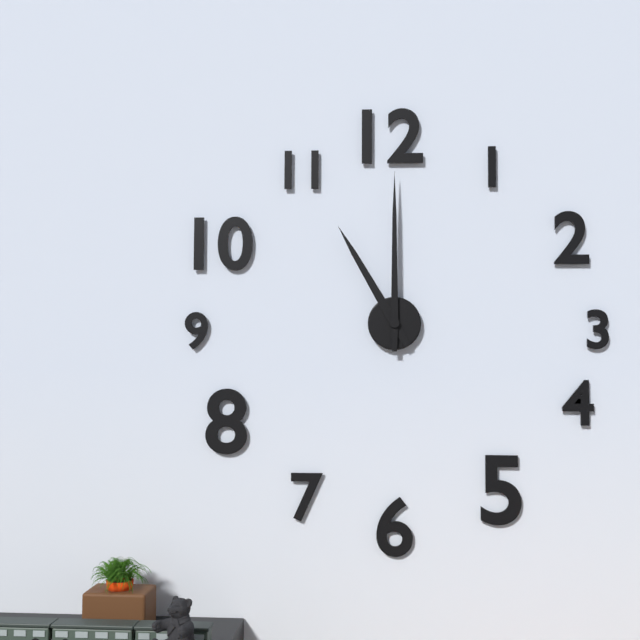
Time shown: {"hour": 11, "minute": 0}
